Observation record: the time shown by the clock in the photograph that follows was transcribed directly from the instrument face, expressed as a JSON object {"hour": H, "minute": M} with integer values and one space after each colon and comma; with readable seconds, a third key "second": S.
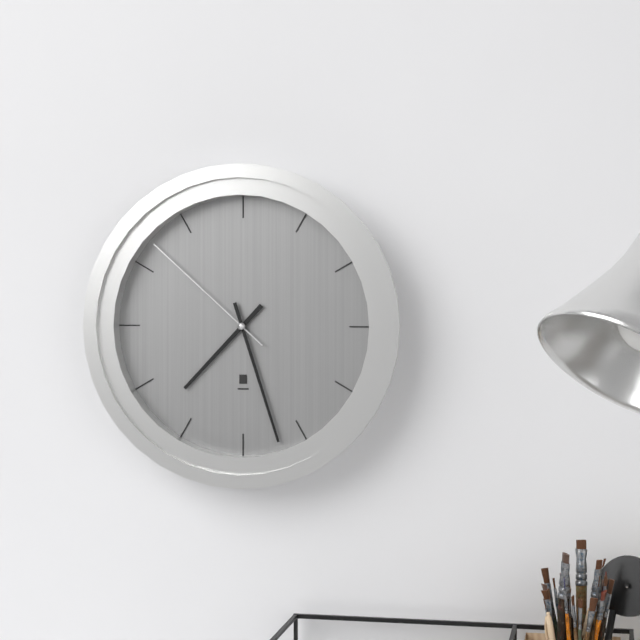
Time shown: {"hour": 7, "minute": 27, "second": 52}
